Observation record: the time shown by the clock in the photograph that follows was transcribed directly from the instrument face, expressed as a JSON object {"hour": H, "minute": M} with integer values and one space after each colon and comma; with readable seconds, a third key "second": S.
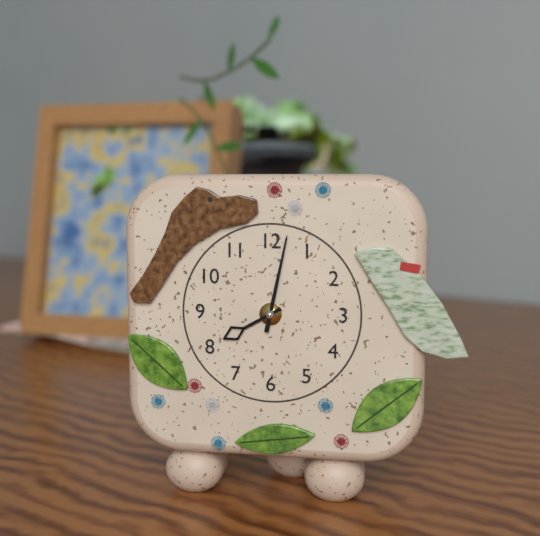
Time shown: {"hour": 8, "minute": 2}
